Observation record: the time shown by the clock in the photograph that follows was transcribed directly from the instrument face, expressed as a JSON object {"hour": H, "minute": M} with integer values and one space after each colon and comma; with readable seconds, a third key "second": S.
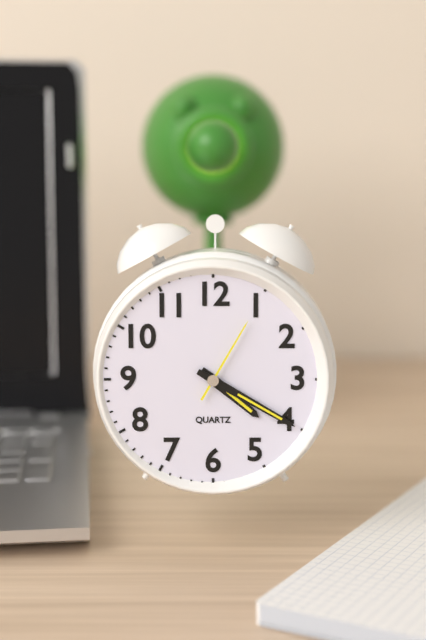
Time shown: {"hour": 4, "minute": 20, "second": 5}
